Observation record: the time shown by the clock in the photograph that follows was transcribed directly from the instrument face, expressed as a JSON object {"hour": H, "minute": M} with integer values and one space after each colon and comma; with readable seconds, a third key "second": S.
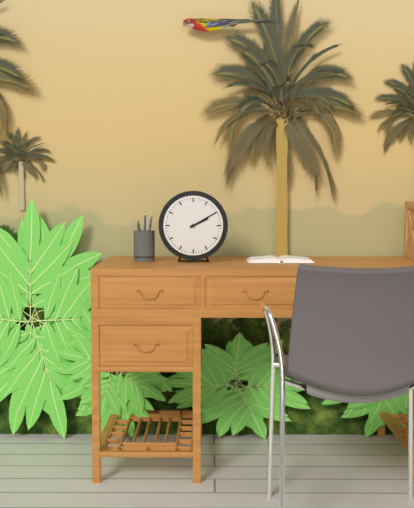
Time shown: {"hour": 2, "minute": 10}
